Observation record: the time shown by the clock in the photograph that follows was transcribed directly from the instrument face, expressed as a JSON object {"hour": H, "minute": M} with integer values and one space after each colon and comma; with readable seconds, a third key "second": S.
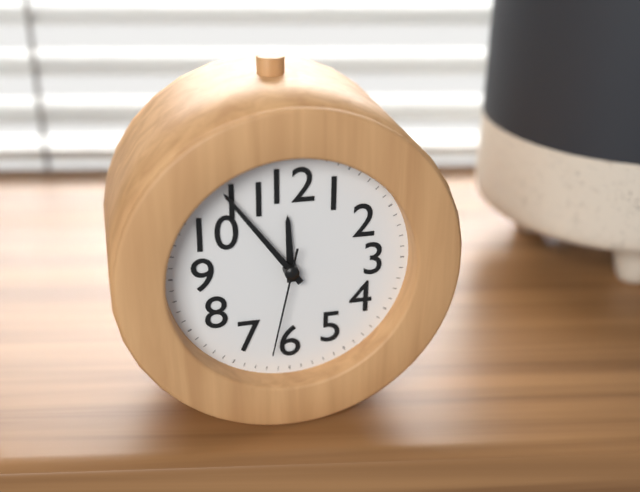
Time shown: {"hour": 11, "minute": 54, "second": 32}
